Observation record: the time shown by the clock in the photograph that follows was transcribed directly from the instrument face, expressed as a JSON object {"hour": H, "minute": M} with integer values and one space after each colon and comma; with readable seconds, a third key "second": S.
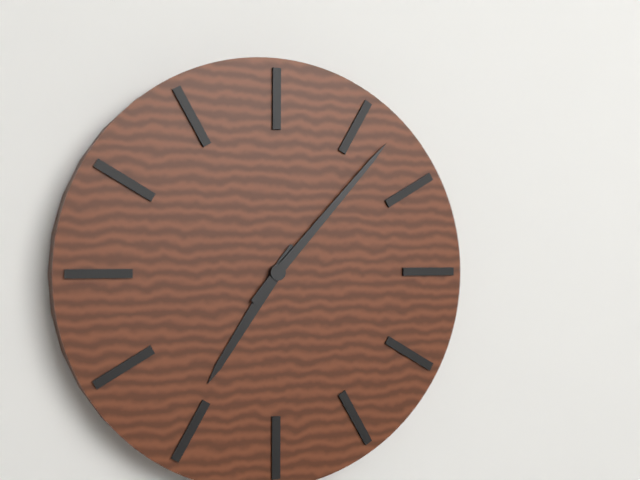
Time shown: {"hour": 7, "minute": 7}
